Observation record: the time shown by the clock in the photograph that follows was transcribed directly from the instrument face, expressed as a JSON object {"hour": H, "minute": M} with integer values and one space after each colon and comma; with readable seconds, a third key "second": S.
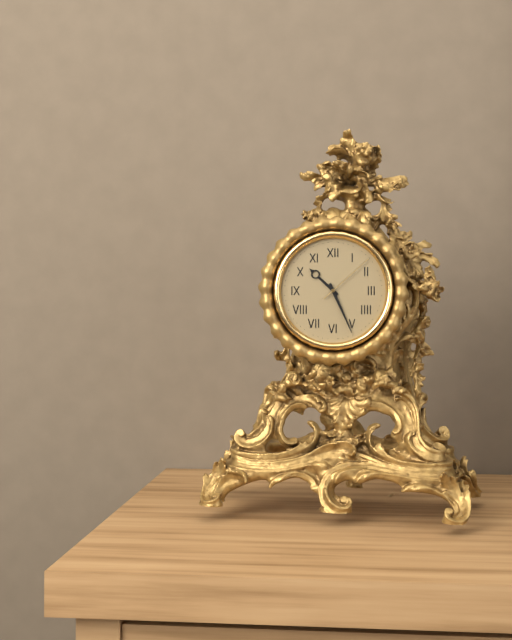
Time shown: {"hour": 10, "minute": 26, "second": 8}
